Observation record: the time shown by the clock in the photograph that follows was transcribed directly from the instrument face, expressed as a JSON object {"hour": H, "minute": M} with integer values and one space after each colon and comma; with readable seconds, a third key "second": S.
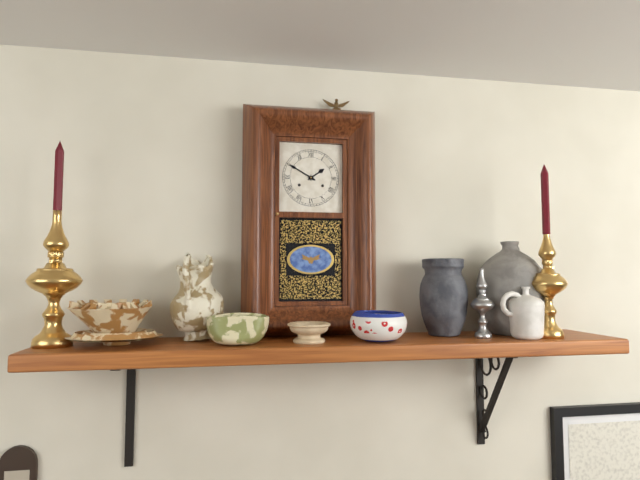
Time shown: {"hour": 1, "minute": 50}
